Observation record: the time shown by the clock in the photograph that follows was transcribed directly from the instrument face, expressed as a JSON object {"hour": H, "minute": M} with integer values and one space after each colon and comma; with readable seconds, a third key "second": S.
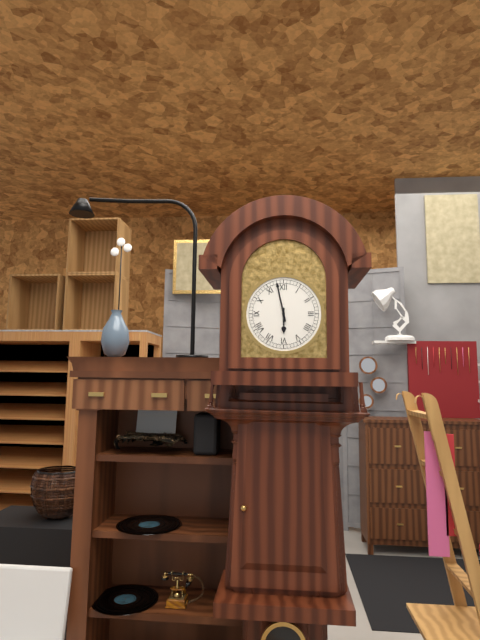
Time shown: {"hour": 5, "minute": 58}
